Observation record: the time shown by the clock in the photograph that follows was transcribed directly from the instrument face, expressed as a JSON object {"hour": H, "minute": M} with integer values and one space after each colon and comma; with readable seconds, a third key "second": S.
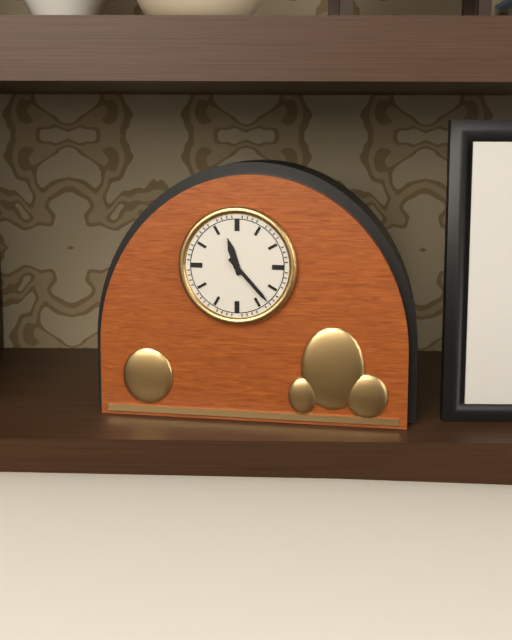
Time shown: {"hour": 11, "minute": 23}
